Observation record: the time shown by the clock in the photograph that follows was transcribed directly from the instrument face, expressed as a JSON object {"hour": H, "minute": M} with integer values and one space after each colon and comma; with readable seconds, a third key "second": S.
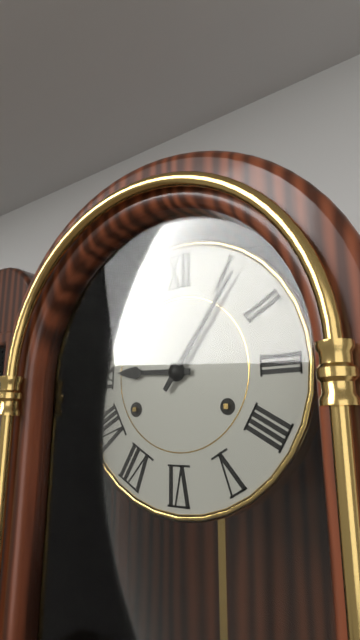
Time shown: {"hour": 9, "minute": 6}
